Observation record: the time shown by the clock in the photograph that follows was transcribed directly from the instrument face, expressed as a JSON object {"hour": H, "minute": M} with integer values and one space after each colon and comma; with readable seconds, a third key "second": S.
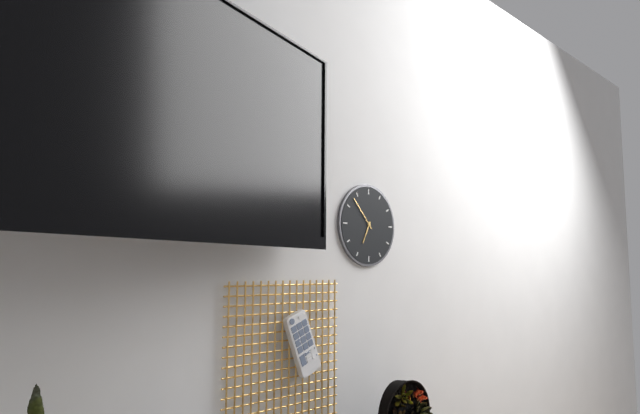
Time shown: {"hour": 6, "minute": 53}
